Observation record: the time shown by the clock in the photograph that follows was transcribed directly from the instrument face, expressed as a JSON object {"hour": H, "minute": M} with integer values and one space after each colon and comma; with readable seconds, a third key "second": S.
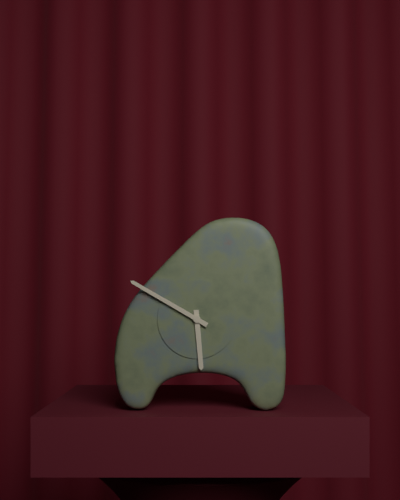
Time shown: {"hour": 5, "minute": 50}
